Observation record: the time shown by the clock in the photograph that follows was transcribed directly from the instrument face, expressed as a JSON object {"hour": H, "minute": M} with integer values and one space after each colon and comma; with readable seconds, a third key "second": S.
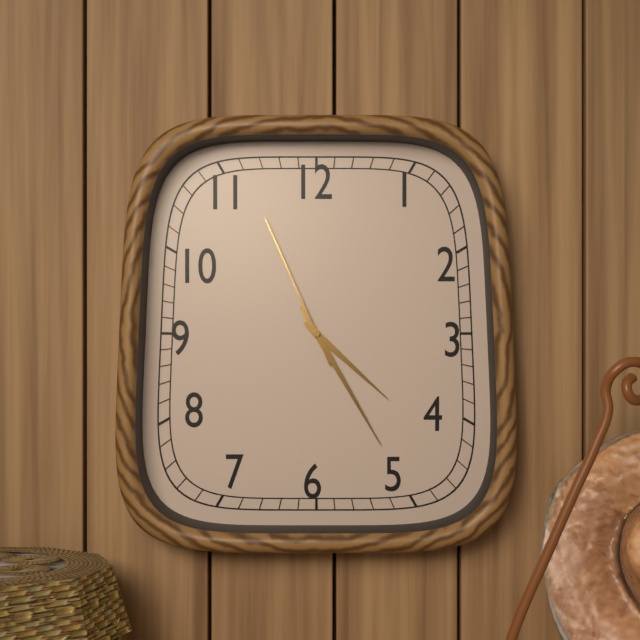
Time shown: {"hour": 4, "minute": 25, "second": 56}
